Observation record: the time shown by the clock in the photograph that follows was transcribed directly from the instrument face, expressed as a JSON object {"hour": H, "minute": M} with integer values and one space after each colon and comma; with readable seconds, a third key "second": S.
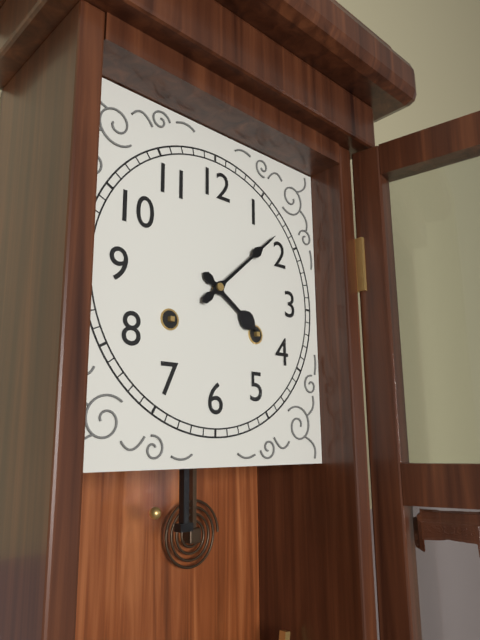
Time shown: {"hour": 4, "minute": 8}
